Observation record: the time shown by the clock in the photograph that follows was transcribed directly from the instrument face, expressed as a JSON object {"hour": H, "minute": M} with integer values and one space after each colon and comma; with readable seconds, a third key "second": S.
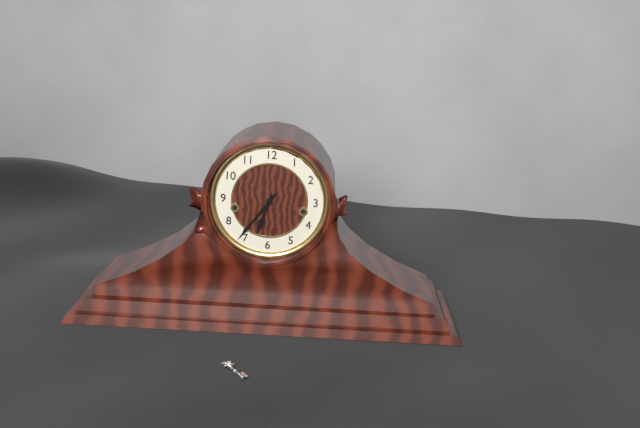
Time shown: {"hour": 6, "minute": 36}
